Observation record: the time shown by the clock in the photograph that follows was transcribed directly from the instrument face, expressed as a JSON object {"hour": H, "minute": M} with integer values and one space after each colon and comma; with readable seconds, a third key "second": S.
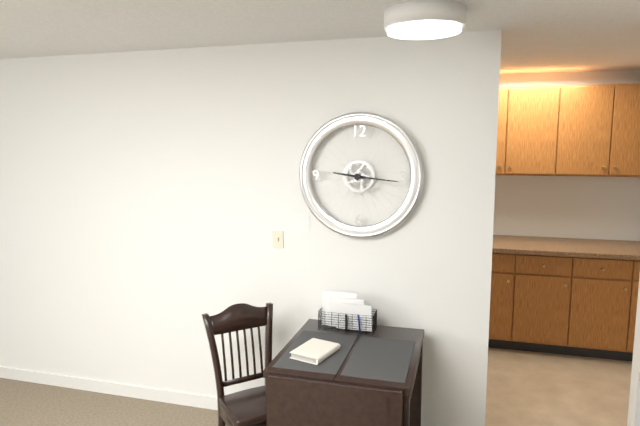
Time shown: {"hour": 9, "minute": 16}
